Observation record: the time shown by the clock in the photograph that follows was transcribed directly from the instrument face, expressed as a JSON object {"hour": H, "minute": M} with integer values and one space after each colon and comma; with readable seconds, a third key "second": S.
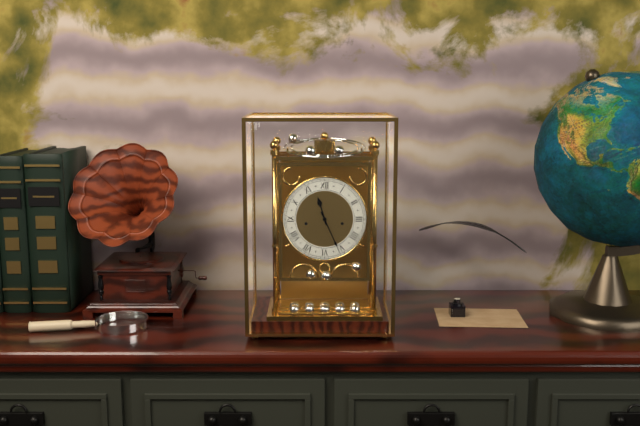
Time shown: {"hour": 11, "minute": 26}
